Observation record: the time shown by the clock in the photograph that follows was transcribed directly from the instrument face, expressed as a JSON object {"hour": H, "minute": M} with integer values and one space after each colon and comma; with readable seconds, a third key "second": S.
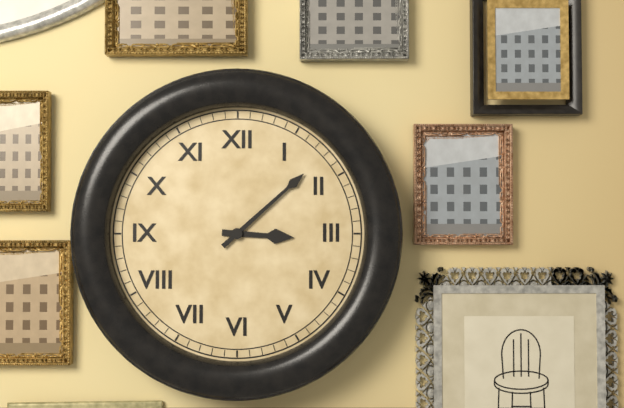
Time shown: {"hour": 3, "minute": 8}
